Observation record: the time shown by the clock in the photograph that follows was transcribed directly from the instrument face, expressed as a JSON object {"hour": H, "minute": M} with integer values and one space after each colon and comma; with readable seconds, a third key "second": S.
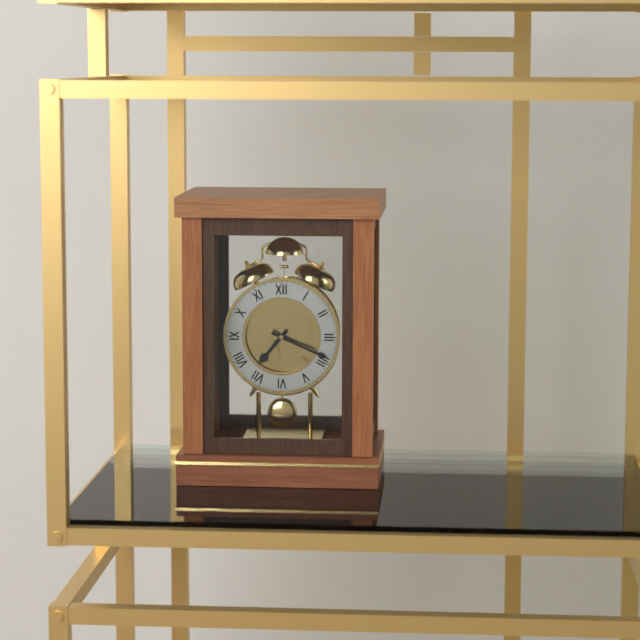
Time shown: {"hour": 7, "minute": 19}
